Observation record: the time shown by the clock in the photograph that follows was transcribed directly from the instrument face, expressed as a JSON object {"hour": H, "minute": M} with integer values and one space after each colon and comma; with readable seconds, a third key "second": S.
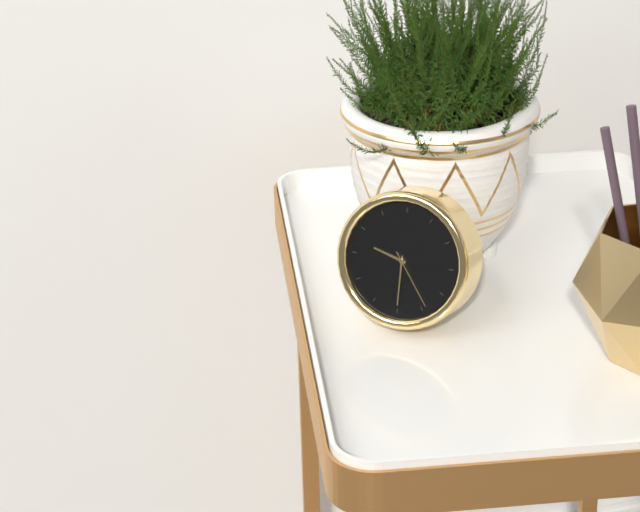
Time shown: {"hour": 9, "minute": 30, "second": 24}
